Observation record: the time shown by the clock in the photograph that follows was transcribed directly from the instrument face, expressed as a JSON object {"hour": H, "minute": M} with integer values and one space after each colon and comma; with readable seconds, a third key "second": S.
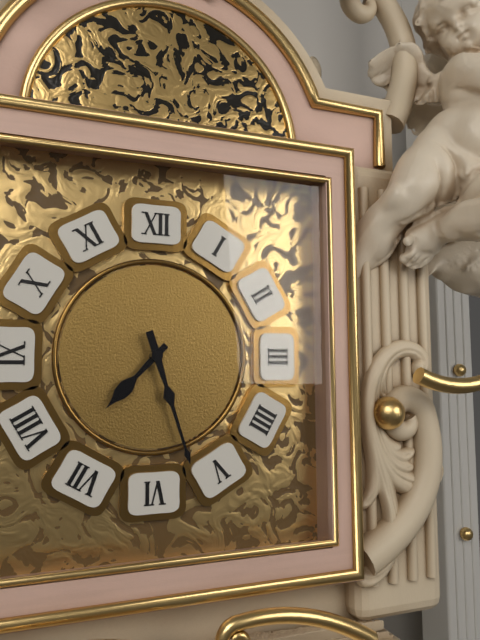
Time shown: {"hour": 7, "minute": 27}
